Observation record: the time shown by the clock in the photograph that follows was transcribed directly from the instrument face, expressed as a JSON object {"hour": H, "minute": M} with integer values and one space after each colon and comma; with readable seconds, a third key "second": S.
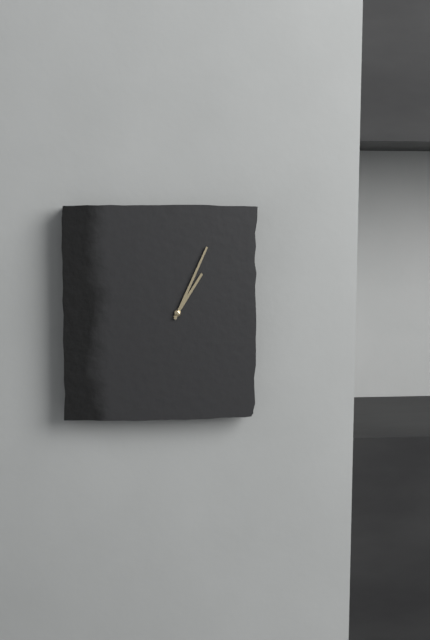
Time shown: {"hour": 1, "minute": 4}
